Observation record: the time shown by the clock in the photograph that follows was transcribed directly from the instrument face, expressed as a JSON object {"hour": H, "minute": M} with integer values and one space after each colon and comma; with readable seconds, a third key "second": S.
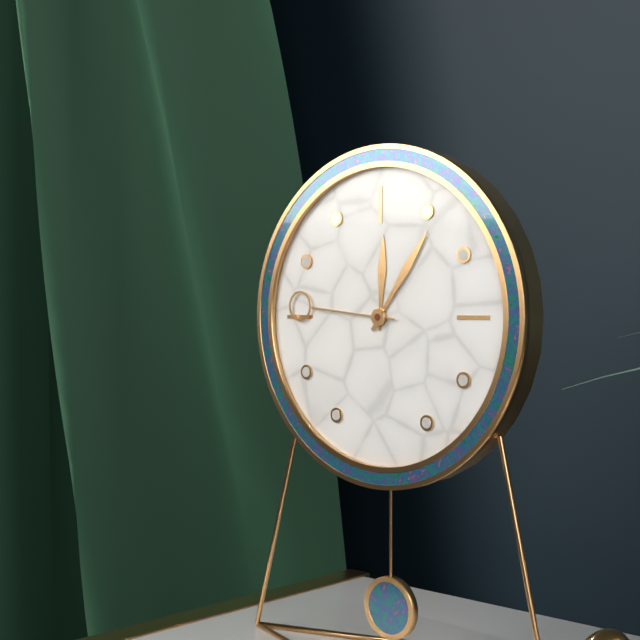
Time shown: {"hour": 12, "minute": 6, "second": 46}
